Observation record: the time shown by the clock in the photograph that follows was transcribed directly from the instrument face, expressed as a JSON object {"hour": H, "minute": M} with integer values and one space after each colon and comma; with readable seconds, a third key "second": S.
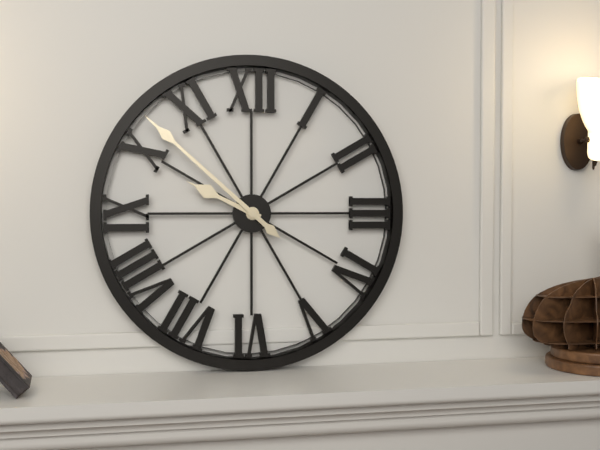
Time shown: {"hour": 9, "minute": 52}
